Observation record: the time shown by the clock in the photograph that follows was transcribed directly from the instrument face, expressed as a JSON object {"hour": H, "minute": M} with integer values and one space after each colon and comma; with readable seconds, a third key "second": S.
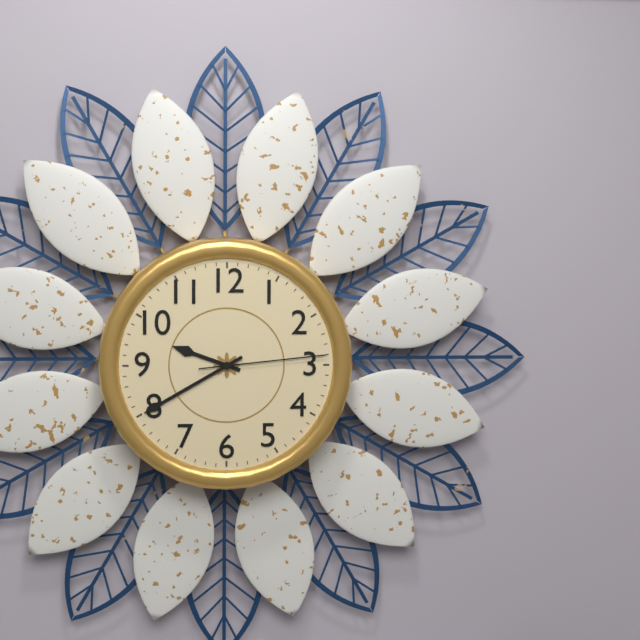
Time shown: {"hour": 9, "minute": 40, "second": 14}
